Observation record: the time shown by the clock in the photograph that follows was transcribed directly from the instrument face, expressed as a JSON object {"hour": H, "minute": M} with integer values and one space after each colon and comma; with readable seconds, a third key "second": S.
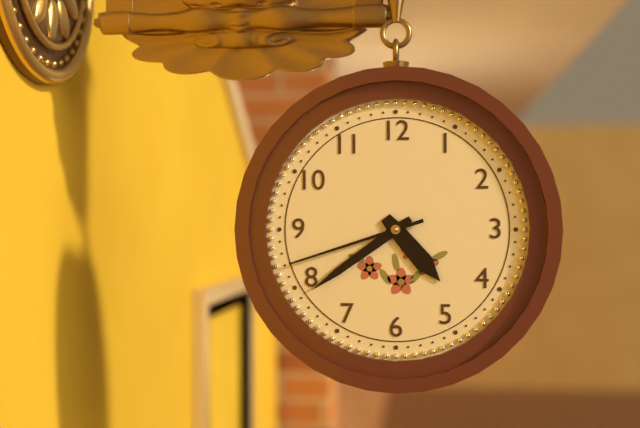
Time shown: {"hour": 4, "minute": 39, "second": 42}
